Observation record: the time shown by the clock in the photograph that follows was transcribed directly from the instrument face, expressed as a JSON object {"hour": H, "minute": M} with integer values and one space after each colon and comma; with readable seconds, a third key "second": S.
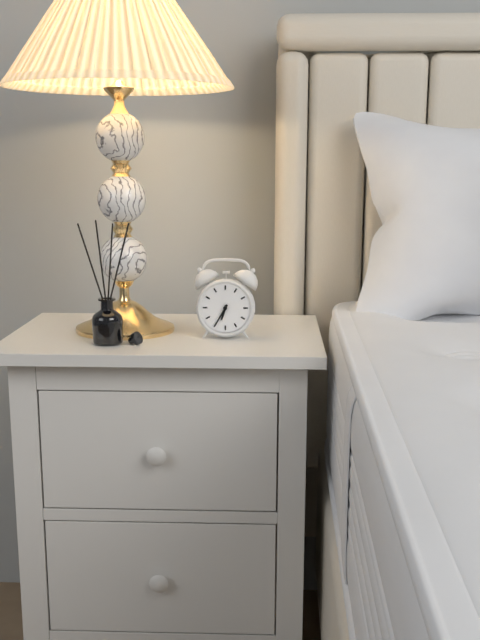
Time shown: {"hour": 6, "minute": 35}
